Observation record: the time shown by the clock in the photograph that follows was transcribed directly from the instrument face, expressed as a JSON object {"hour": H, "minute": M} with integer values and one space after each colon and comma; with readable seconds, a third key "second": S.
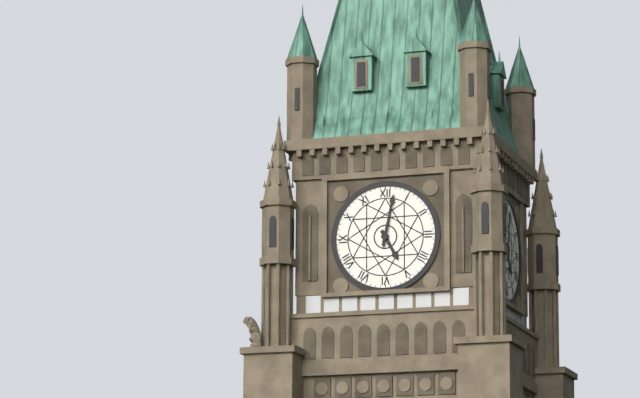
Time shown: {"hour": 5, "minute": 2}
